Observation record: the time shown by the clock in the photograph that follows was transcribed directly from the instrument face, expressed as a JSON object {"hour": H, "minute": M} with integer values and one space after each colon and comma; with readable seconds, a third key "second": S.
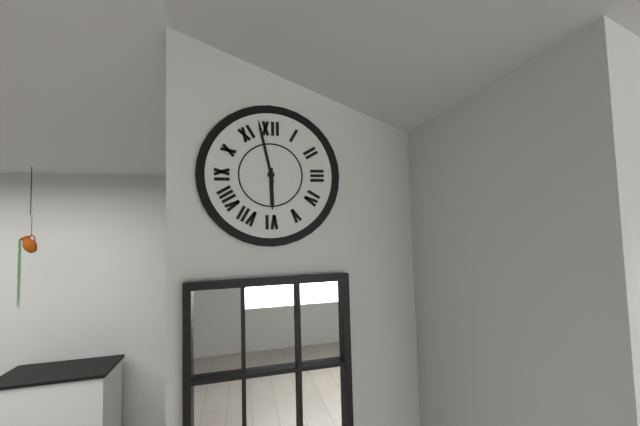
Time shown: {"hour": 5, "minute": 58}
